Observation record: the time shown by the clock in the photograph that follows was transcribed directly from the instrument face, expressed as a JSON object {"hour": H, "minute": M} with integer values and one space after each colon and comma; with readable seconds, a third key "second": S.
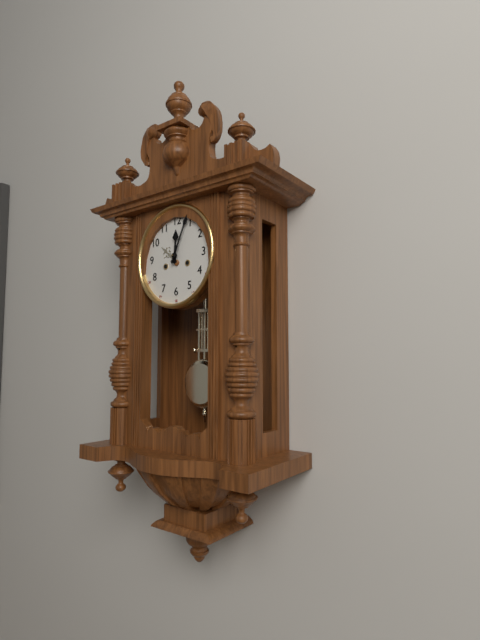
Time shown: {"hour": 12, "minute": 4}
